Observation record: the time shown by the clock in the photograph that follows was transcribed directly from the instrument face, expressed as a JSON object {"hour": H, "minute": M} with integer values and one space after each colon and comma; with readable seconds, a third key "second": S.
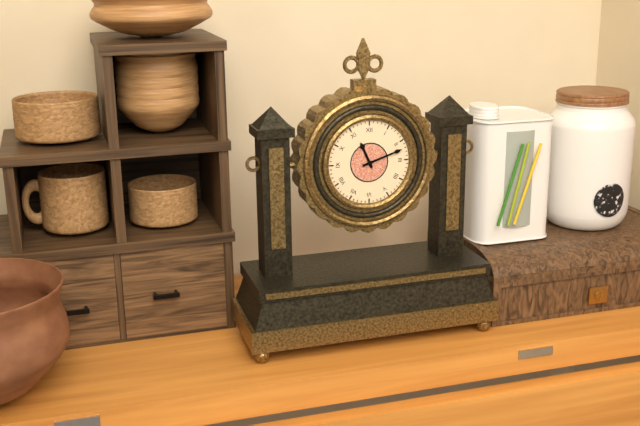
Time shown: {"hour": 11, "minute": 12}
